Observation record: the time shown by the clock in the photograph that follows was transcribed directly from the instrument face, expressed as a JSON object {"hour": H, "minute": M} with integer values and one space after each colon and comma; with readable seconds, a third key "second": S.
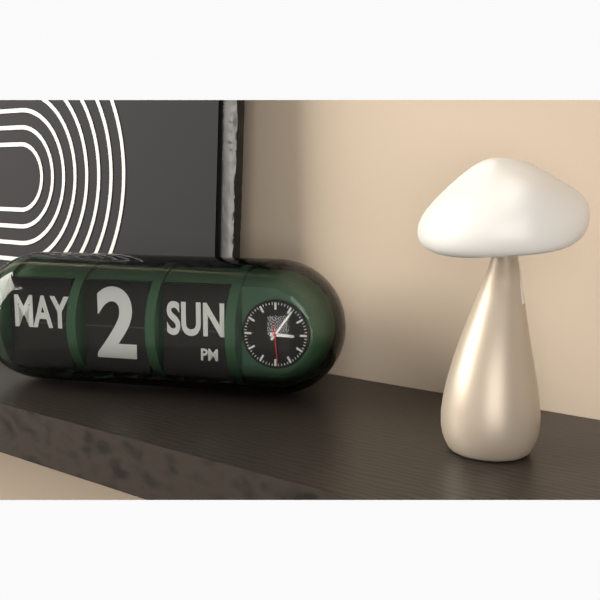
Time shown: {"hour": 3, "minute": 6}
